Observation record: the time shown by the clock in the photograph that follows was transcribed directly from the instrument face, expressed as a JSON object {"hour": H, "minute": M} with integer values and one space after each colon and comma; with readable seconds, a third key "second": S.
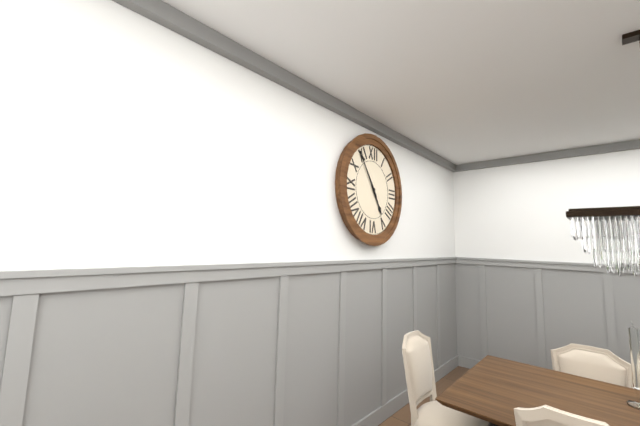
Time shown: {"hour": 4, "minute": 54}
